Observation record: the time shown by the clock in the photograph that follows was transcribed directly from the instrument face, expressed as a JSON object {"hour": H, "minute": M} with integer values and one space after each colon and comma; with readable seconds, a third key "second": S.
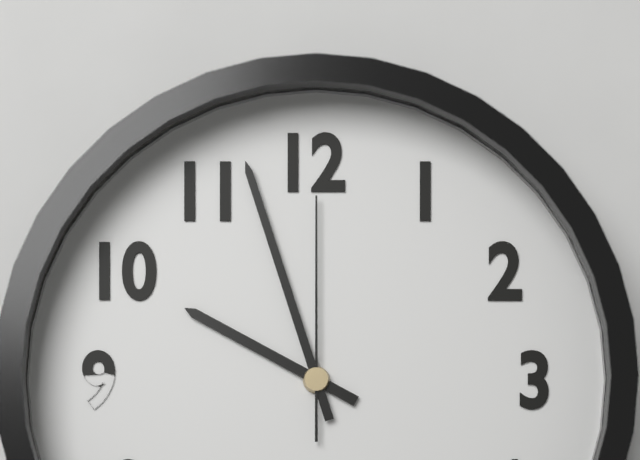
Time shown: {"hour": 9, "minute": 57, "second": 0}
